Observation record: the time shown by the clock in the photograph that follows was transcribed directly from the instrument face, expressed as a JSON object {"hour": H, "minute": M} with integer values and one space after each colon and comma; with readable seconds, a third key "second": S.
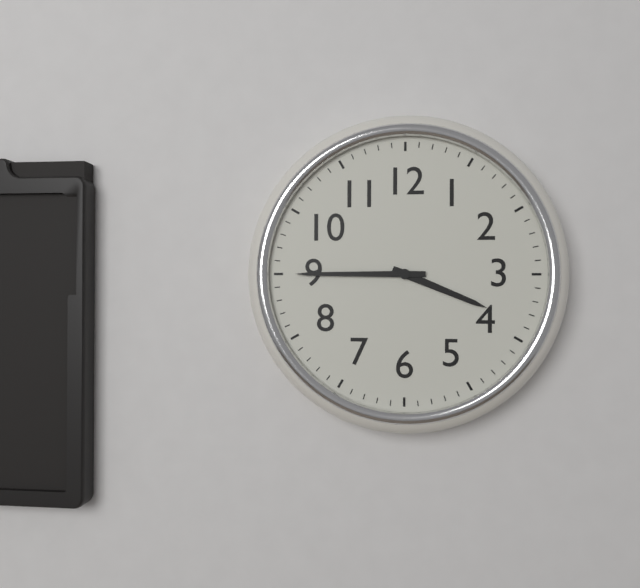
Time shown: {"hour": 3, "minute": 45}
